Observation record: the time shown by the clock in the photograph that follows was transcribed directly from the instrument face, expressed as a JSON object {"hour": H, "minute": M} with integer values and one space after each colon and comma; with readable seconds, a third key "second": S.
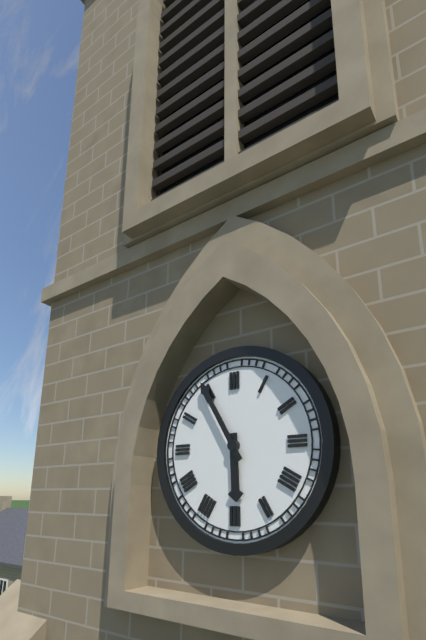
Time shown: {"hour": 5, "minute": 55}
